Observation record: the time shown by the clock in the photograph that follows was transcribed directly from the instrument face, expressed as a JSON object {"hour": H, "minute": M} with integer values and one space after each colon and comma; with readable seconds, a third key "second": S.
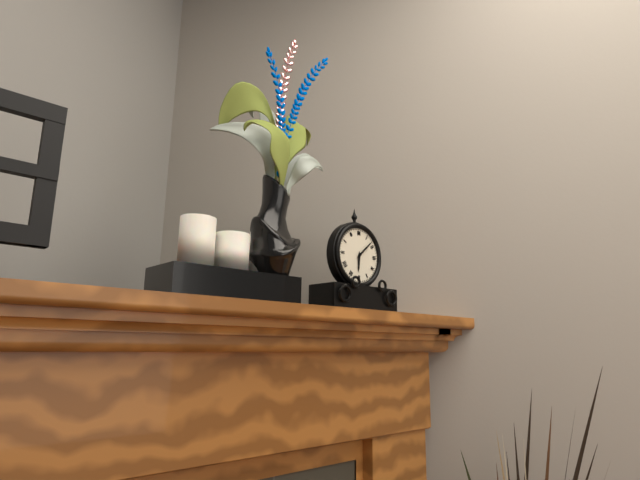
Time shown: {"hour": 6, "minute": 8}
